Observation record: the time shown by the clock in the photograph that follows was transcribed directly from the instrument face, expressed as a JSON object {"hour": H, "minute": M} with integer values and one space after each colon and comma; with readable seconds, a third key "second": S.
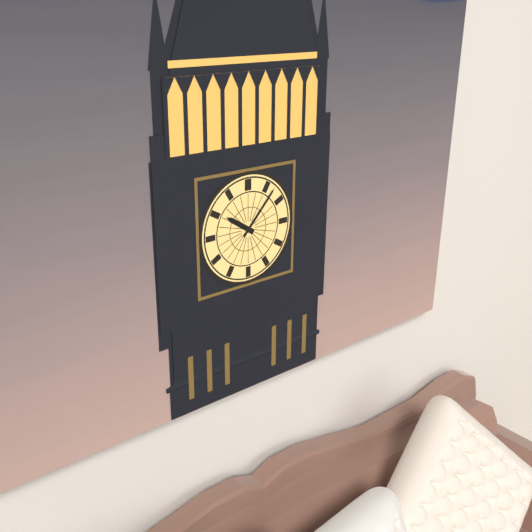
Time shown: {"hour": 10, "minute": 7}
